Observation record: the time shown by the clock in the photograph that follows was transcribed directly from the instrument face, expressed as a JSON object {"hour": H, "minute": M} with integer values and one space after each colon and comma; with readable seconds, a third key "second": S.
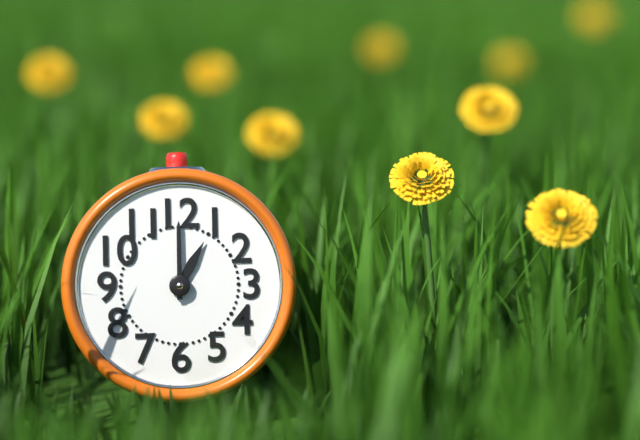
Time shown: {"hour": 1, "minute": 0}
